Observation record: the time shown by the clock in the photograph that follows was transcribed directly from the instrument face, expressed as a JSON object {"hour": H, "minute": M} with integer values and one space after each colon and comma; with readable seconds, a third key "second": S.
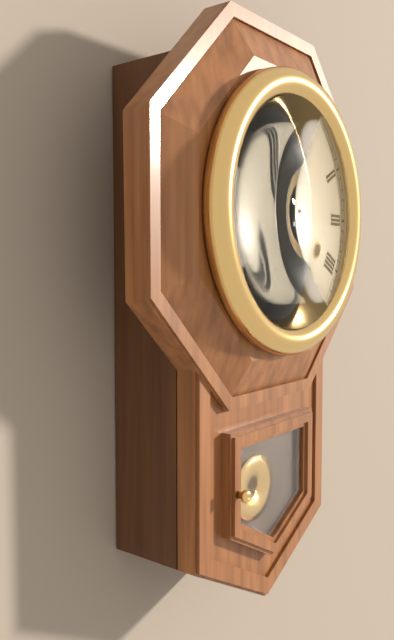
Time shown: {"hour": 8, "minute": 34}
